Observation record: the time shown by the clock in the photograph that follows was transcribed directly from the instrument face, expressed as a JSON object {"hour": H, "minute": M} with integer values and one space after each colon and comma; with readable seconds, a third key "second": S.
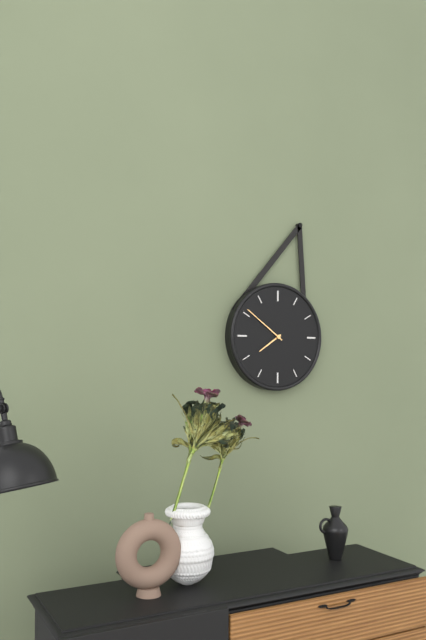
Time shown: {"hour": 7, "minute": 51}
